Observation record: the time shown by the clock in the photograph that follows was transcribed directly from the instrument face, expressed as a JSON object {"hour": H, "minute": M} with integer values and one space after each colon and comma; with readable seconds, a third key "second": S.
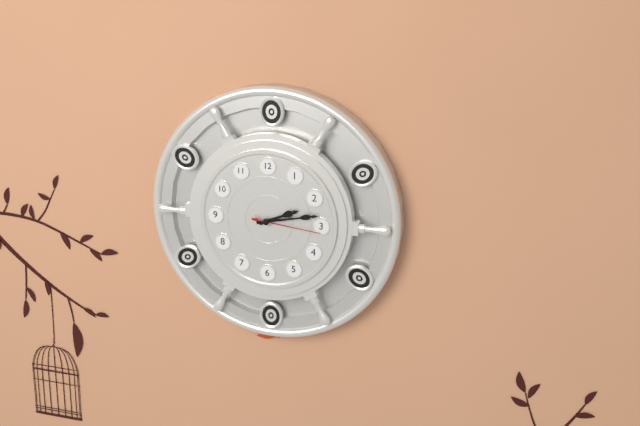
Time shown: {"hour": 2, "minute": 13, "second": 16}
